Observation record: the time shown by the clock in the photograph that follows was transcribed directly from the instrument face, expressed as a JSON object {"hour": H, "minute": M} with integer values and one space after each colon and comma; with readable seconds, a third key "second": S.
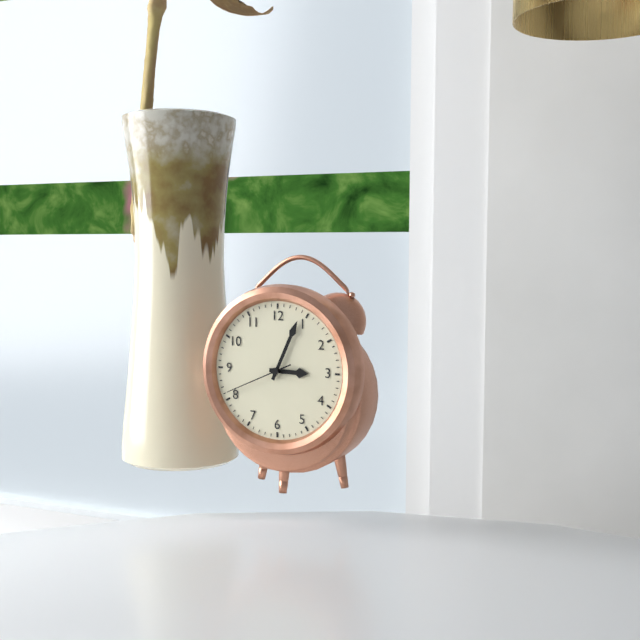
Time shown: {"hour": 3, "minute": 4, "second": 41}
